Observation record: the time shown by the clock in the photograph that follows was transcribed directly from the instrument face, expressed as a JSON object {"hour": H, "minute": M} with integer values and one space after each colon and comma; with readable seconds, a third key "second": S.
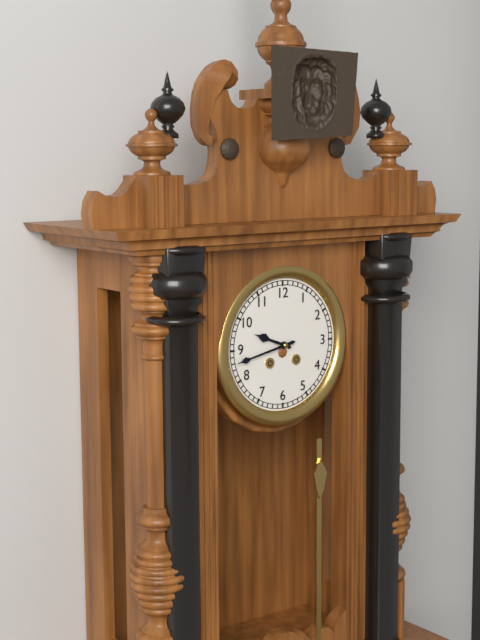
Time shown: {"hour": 9, "minute": 43}
